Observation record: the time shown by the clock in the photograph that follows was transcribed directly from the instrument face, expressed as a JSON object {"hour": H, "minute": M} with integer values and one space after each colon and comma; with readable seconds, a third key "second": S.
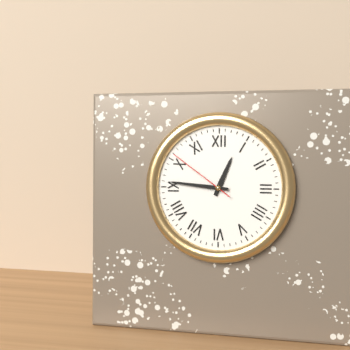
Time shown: {"hour": 12, "minute": 46, "second": 51}
